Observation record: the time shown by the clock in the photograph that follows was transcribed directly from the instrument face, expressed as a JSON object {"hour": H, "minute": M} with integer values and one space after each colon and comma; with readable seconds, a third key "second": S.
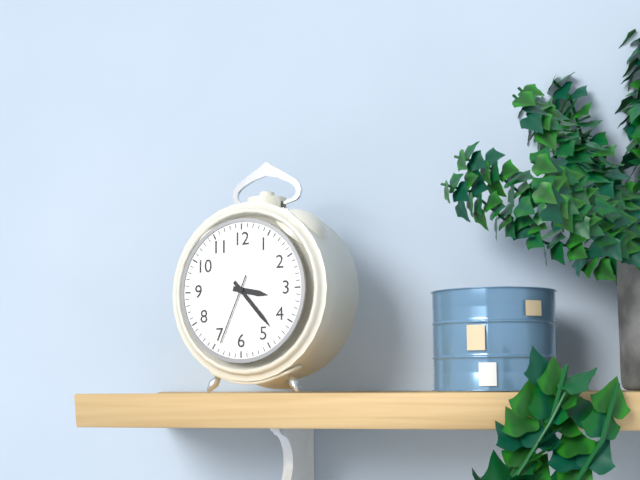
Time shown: {"hour": 3, "minute": 23, "second": 34}
